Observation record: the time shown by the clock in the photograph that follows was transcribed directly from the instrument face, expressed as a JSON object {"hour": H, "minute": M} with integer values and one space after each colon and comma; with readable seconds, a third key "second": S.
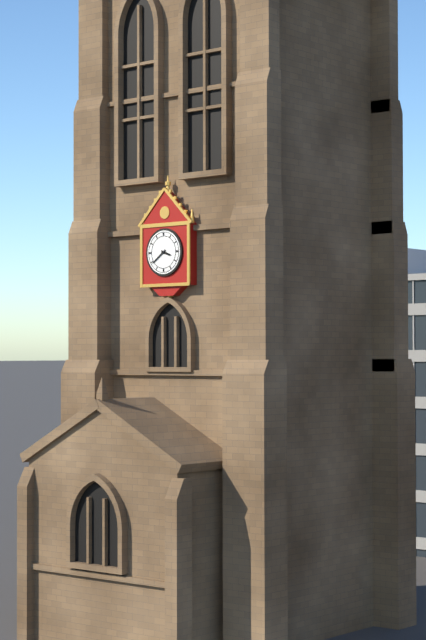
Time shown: {"hour": 3, "minute": 39}
